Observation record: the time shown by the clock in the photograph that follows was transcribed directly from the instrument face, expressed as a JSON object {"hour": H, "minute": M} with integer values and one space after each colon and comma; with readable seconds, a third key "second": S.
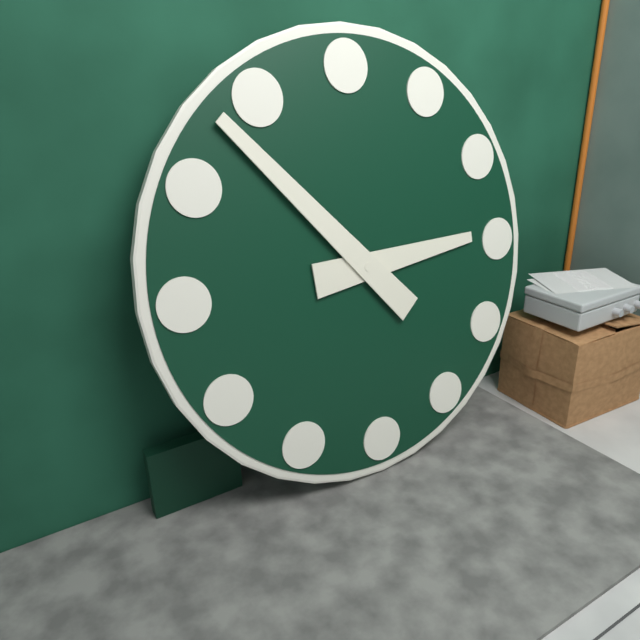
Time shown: {"hour": 2, "minute": 53}
